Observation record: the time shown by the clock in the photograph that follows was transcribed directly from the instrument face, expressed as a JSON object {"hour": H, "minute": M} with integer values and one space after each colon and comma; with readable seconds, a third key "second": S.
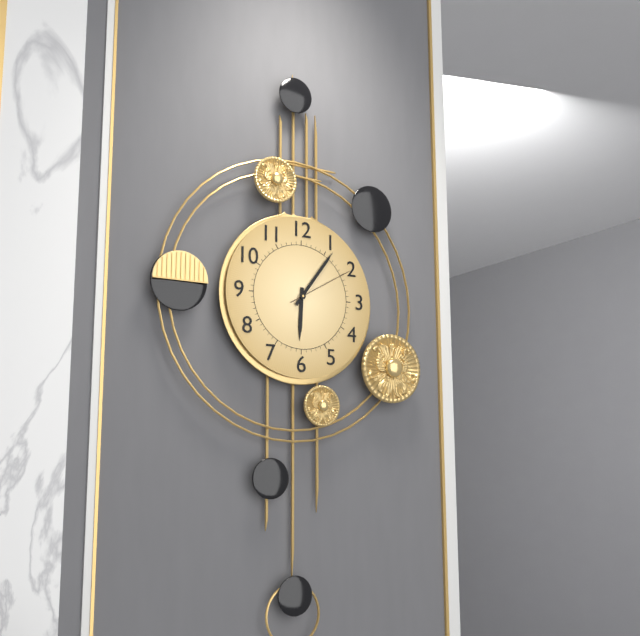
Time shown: {"hour": 6, "minute": 6, "second": 10}
